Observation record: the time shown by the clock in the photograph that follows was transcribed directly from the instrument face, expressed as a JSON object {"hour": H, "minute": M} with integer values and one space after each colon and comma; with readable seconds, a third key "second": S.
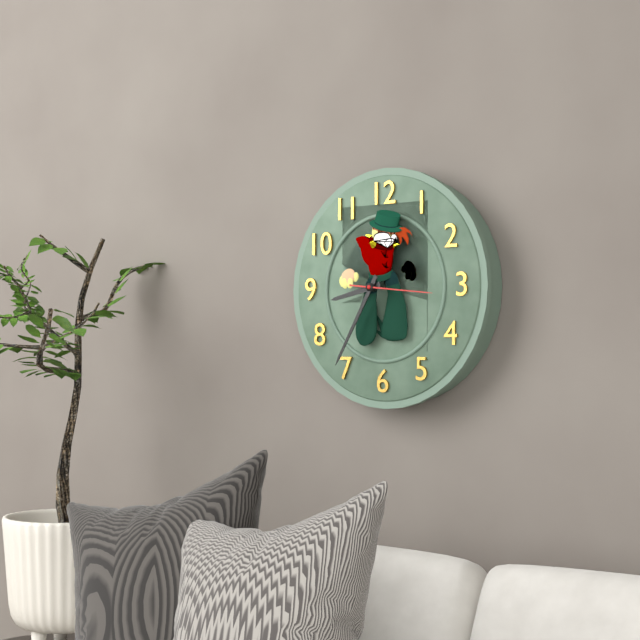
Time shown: {"hour": 8, "minute": 35}
